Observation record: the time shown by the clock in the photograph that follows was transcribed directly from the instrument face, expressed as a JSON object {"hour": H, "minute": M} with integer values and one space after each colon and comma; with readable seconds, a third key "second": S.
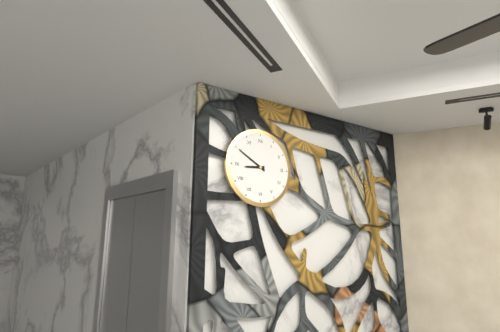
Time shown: {"hour": 8, "minute": 50}
